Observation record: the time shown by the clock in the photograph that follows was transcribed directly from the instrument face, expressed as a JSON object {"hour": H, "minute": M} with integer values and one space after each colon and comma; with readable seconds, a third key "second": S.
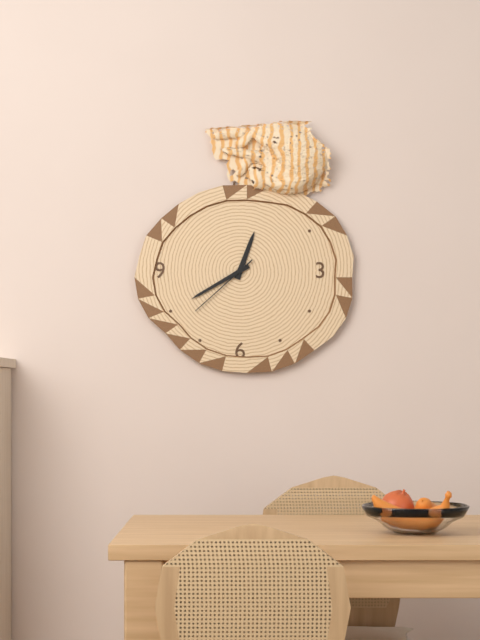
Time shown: {"hour": 12, "minute": 40, "second": 38}
